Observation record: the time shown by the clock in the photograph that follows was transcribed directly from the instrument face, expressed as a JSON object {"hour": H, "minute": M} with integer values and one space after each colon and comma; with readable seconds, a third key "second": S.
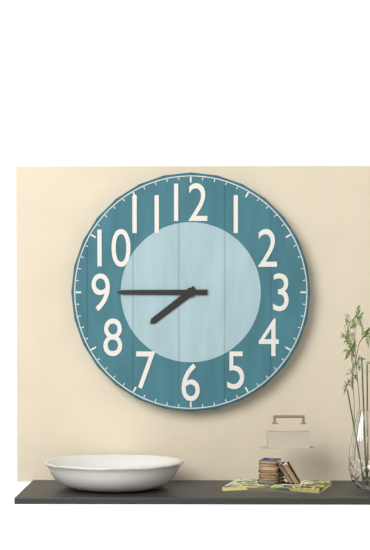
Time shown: {"hour": 7, "minute": 45}
